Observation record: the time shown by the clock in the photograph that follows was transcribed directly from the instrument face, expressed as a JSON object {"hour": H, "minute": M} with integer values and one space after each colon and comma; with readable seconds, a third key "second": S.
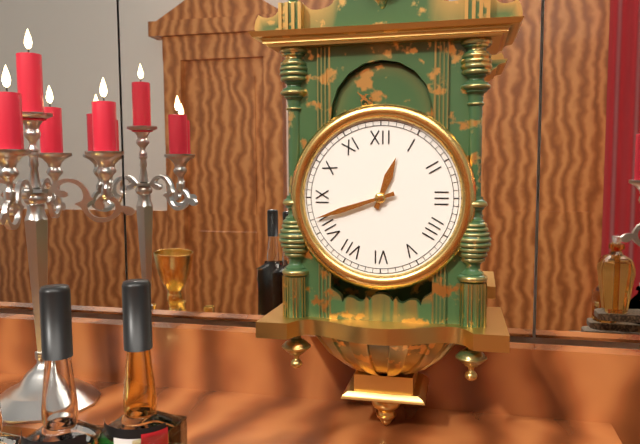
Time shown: {"hour": 12, "minute": 42}
